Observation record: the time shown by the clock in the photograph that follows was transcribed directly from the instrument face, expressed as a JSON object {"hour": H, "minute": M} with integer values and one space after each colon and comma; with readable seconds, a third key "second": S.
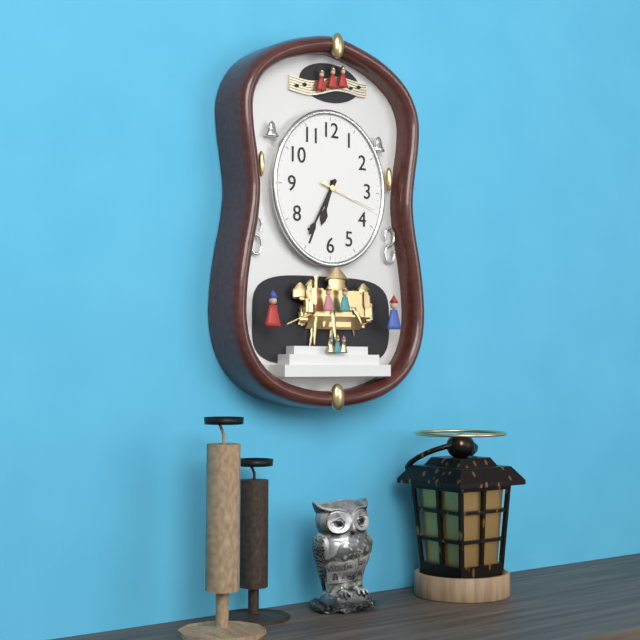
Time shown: {"hour": 6, "minute": 35, "second": 18}
